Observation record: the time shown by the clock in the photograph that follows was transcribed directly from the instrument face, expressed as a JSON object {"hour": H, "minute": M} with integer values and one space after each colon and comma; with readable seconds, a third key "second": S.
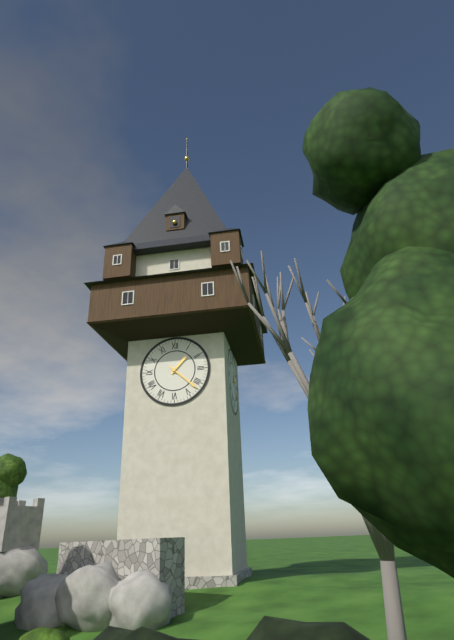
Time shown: {"hour": 1, "minute": 22}
